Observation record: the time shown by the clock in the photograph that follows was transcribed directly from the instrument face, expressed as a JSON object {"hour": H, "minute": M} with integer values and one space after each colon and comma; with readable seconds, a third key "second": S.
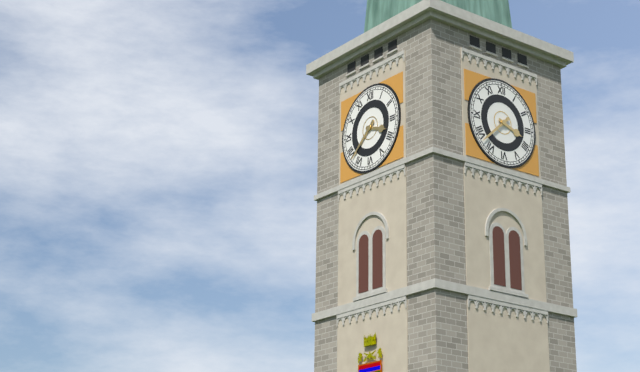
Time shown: {"hour": 3, "minute": 38}
